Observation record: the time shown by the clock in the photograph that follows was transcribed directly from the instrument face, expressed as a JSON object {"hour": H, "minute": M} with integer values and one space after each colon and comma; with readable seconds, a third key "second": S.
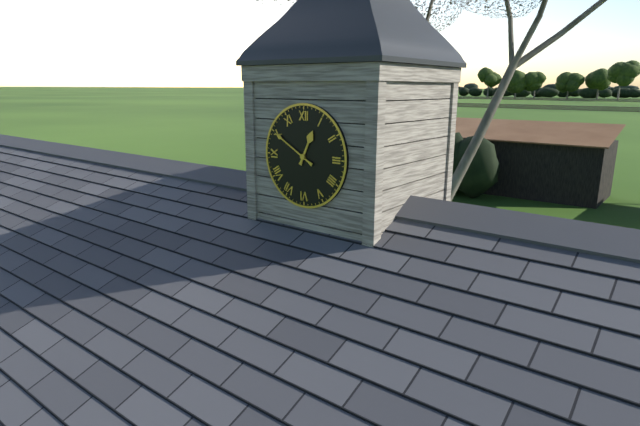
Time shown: {"hour": 12, "minute": 50}
